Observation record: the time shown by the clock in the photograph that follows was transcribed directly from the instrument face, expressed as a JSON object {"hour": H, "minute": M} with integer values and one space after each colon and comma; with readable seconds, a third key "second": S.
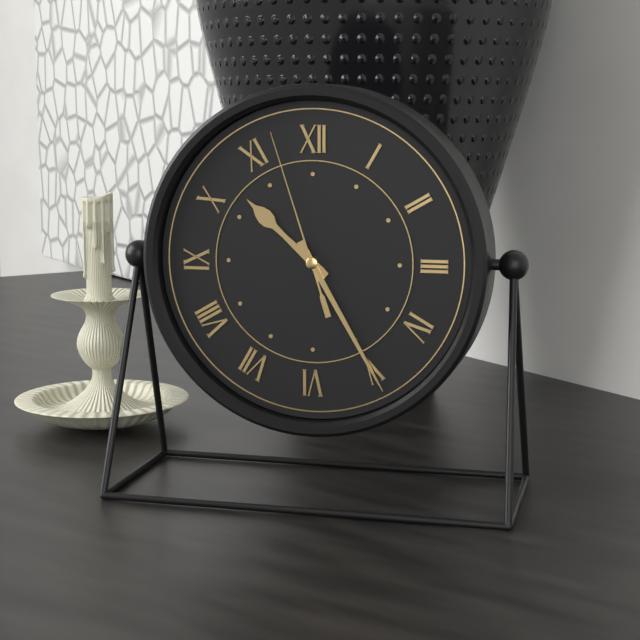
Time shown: {"hour": 10, "minute": 25, "second": 57}
